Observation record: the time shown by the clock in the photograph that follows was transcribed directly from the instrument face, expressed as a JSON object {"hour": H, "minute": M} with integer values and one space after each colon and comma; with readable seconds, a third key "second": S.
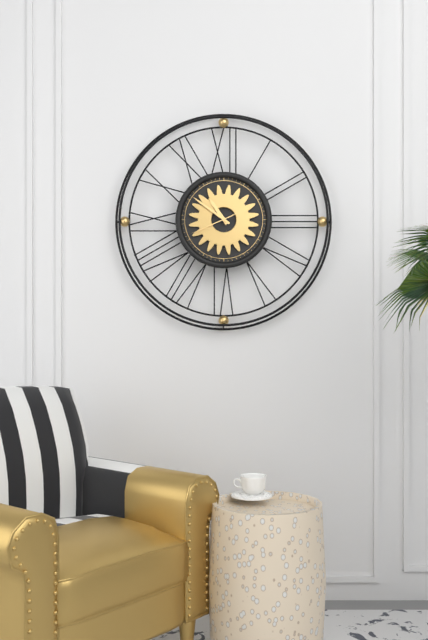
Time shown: {"hour": 10, "minute": 51}
